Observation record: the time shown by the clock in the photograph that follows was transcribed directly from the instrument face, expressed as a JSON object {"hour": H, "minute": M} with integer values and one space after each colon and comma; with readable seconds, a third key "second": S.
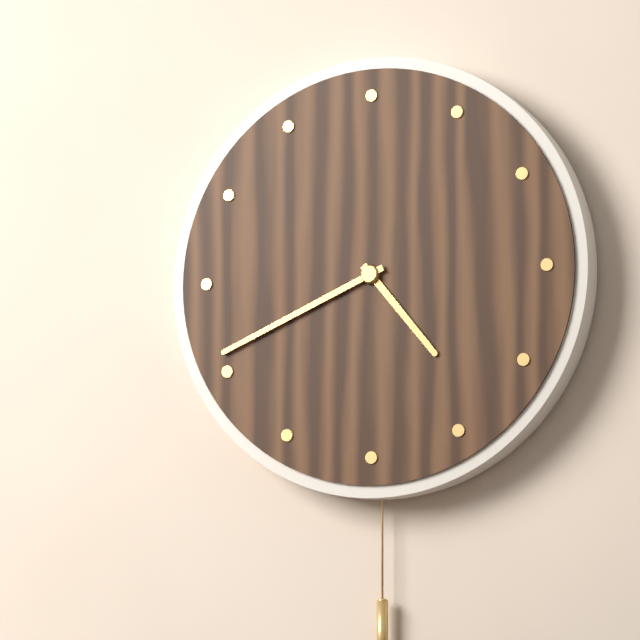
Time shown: {"hour": 4, "minute": 41}
